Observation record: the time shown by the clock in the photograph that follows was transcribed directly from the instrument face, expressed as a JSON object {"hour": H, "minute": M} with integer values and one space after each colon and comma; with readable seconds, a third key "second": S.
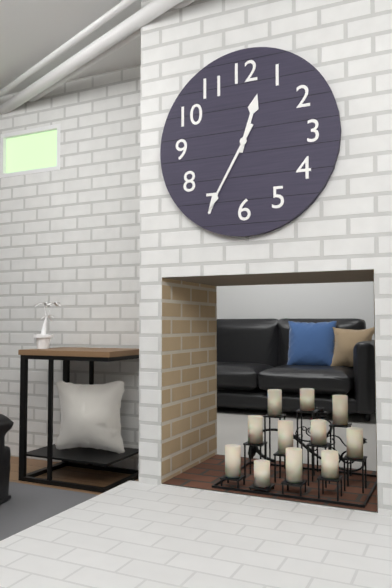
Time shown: {"hour": 12, "minute": 35}
